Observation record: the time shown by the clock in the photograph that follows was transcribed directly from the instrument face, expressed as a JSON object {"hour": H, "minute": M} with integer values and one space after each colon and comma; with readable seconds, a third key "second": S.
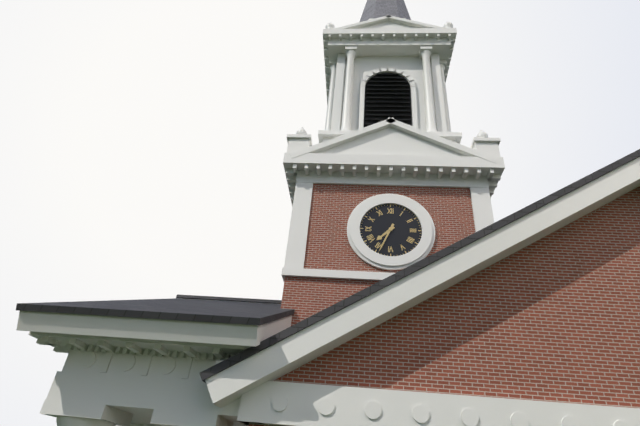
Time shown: {"hour": 7, "minute": 34}
